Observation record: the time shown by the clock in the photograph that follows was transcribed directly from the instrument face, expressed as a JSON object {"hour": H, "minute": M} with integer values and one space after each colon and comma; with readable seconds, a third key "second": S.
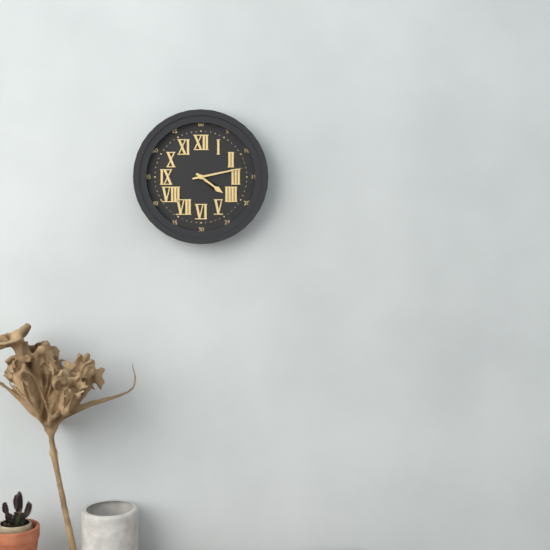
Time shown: {"hour": 4, "minute": 13}
